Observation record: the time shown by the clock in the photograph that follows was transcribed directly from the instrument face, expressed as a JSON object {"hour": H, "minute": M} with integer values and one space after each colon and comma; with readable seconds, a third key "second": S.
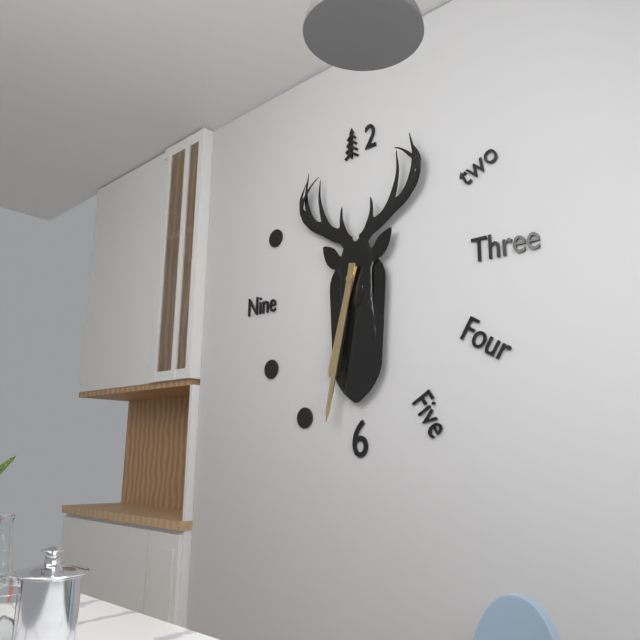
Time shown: {"hour": 6, "minute": 32}
